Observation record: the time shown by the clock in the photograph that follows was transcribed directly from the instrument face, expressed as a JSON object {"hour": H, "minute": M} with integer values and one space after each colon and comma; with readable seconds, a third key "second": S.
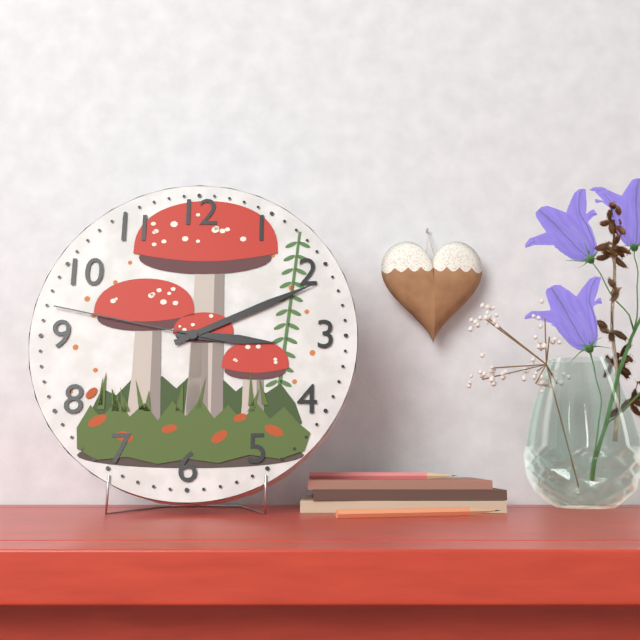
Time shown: {"hour": 3, "minute": 11, "second": 47}
